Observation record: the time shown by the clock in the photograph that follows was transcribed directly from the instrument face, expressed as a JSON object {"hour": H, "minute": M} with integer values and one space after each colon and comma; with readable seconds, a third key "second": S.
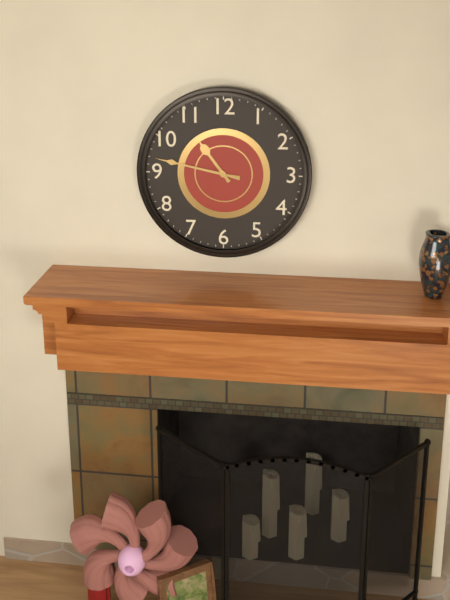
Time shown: {"hour": 10, "minute": 47}
